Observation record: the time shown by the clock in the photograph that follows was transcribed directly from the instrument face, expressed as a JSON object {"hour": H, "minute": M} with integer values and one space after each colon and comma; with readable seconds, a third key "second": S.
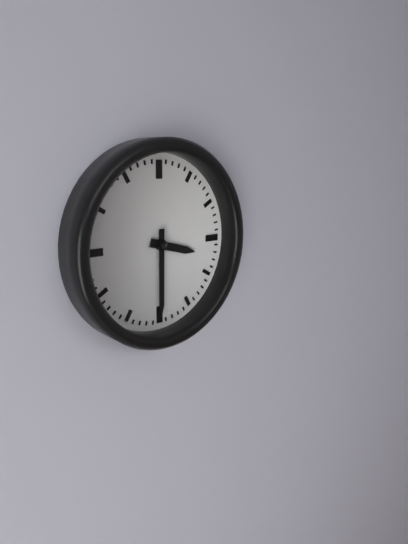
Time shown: {"hour": 3, "minute": 30}
